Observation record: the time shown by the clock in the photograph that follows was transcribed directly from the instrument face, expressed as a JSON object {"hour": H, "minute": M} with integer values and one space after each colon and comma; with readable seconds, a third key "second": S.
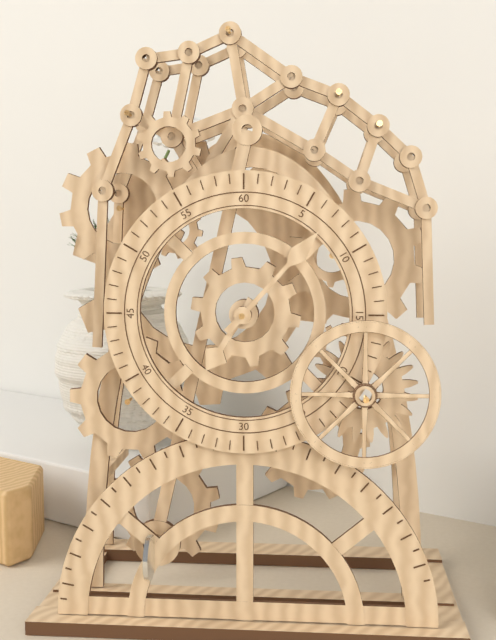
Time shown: {"hour": 7, "minute": 7}
